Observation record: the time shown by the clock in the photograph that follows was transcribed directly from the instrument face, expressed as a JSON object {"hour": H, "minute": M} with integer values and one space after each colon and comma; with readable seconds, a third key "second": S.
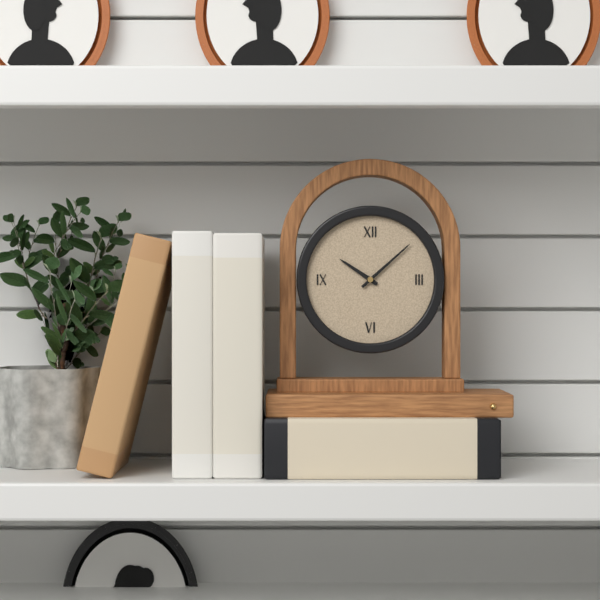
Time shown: {"hour": 10, "minute": 8}
